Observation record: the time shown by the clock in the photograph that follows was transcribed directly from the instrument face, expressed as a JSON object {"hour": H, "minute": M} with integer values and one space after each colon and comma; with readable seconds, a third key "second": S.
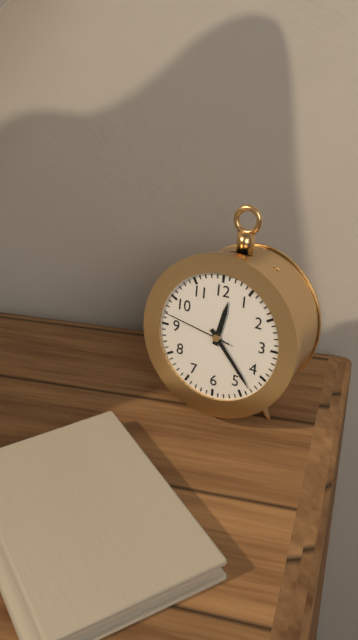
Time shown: {"hour": 12, "minute": 23, "second": 47}
